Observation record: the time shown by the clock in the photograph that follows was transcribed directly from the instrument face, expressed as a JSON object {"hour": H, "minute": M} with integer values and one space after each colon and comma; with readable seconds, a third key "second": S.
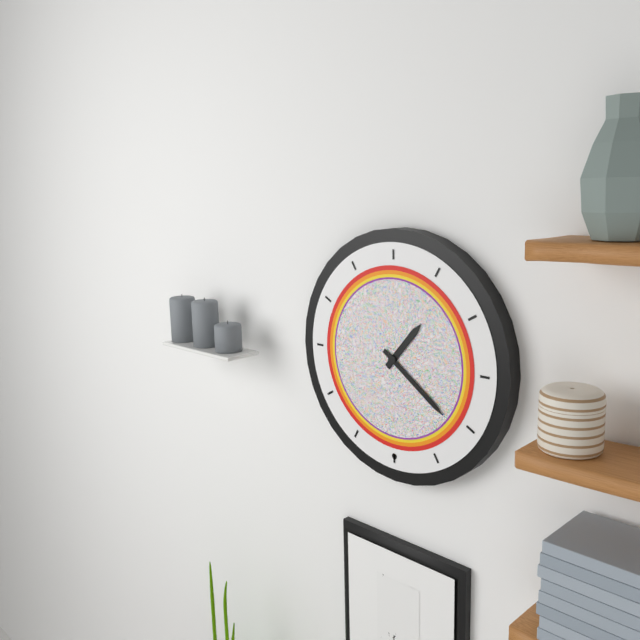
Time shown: {"hour": 1, "minute": 21}
